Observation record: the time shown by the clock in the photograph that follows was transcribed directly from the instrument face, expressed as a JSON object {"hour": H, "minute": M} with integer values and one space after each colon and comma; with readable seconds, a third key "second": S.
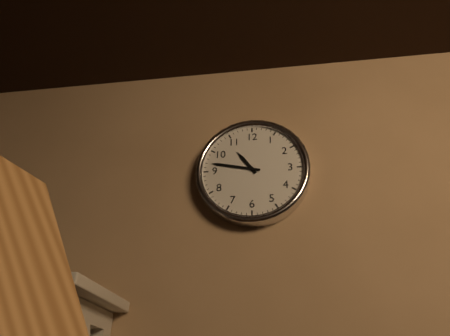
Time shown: {"hour": 10, "minute": 47}
